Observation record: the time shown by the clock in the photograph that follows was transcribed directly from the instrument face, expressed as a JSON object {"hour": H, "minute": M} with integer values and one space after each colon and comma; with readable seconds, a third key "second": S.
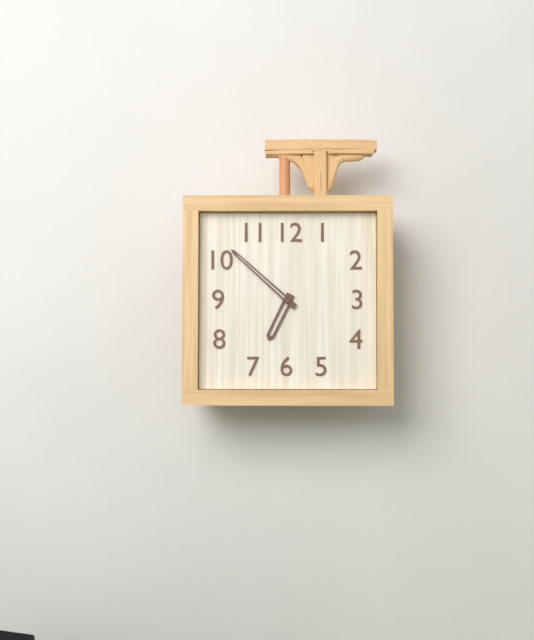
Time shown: {"hour": 6, "minute": 52}
